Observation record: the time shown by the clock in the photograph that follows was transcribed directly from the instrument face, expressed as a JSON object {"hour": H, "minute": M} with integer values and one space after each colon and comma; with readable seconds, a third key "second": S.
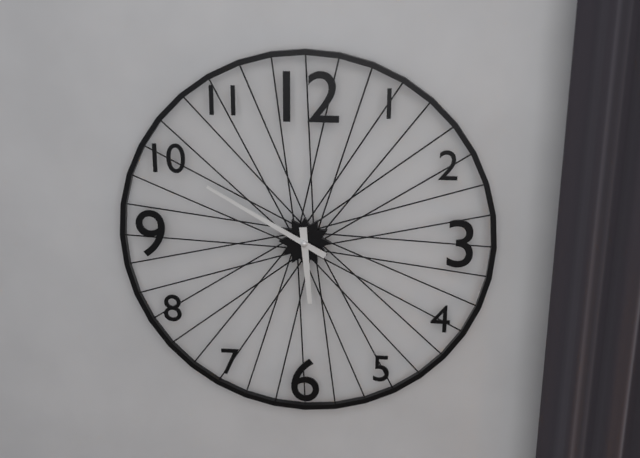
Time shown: {"hour": 5, "minute": 50}
